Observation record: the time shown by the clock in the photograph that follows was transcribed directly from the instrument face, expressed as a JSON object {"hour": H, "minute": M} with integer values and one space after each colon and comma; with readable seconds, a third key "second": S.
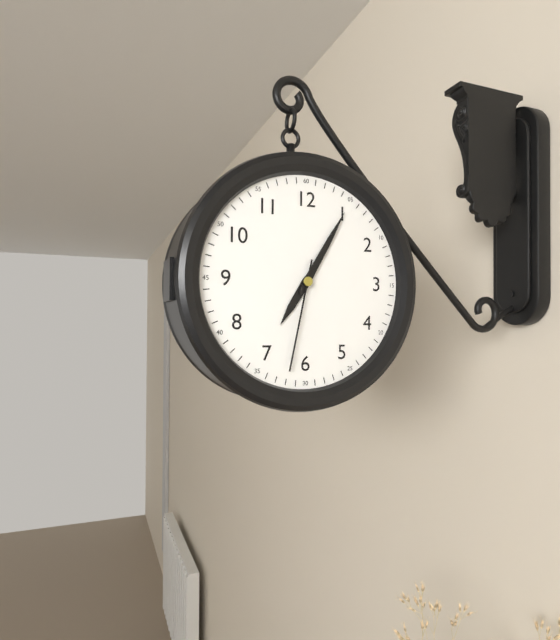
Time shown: {"hour": 7, "minute": 5, "second": 32}
